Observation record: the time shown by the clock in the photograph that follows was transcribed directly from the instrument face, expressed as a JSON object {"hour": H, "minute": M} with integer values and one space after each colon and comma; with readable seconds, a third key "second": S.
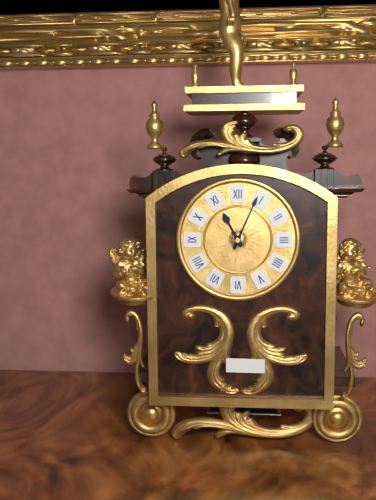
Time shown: {"hour": 11, "minute": 4}
